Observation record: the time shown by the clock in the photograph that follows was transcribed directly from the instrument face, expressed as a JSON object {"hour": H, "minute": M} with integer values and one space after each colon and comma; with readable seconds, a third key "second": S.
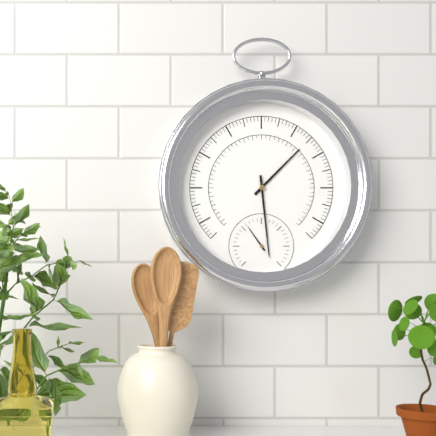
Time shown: {"hour": 1, "minute": 29}
